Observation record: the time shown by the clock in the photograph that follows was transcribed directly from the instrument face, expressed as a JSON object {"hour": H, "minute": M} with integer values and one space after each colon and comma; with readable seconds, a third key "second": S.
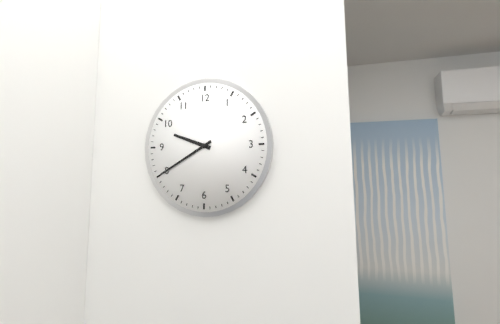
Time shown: {"hour": 9, "minute": 40}
